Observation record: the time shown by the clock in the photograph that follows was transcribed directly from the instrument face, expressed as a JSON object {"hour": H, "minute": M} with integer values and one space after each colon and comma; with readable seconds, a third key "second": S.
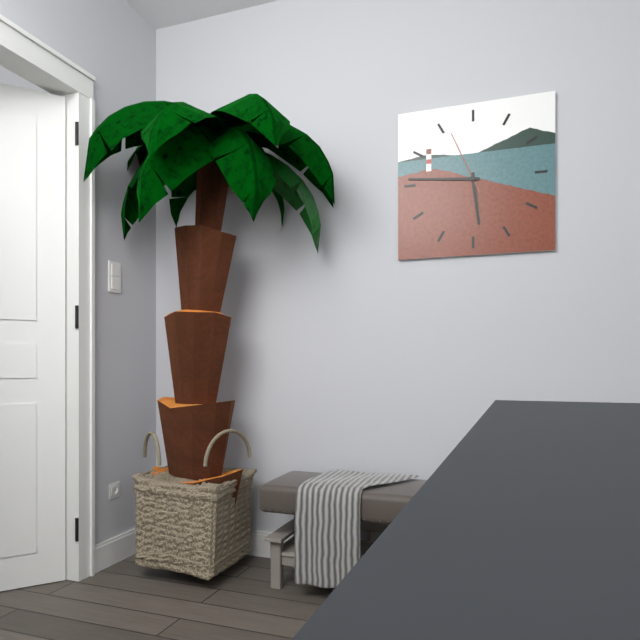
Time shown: {"hour": 5, "minute": 46, "second": 56}
